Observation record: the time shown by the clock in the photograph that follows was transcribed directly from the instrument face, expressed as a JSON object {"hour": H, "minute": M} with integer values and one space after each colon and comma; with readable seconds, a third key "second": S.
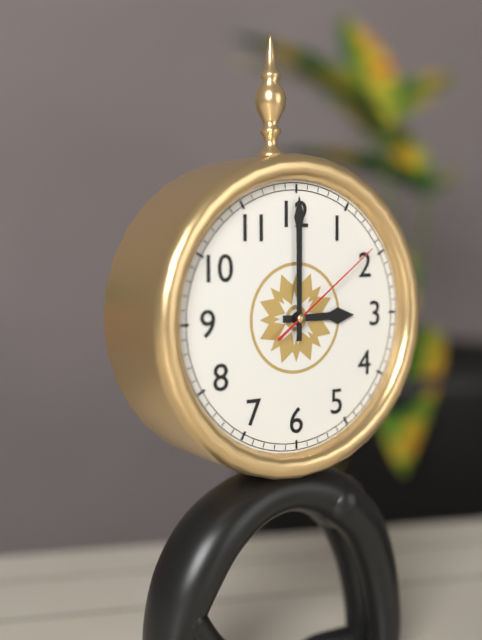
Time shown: {"hour": 3, "minute": 0, "second": 9}
